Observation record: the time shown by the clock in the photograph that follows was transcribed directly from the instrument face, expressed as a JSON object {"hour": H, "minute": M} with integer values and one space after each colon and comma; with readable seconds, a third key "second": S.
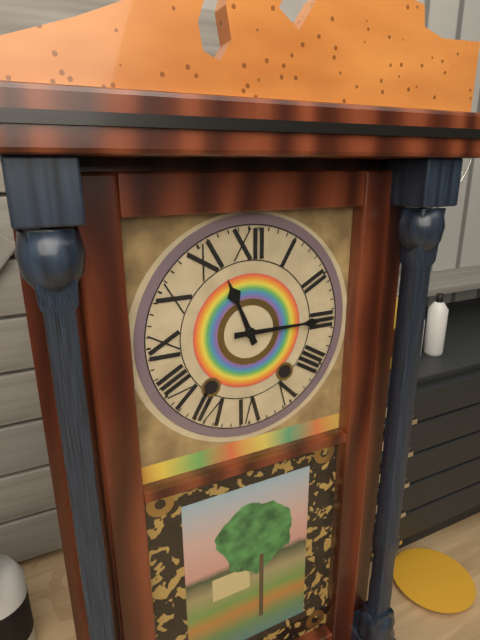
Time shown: {"hour": 11, "minute": 15}
